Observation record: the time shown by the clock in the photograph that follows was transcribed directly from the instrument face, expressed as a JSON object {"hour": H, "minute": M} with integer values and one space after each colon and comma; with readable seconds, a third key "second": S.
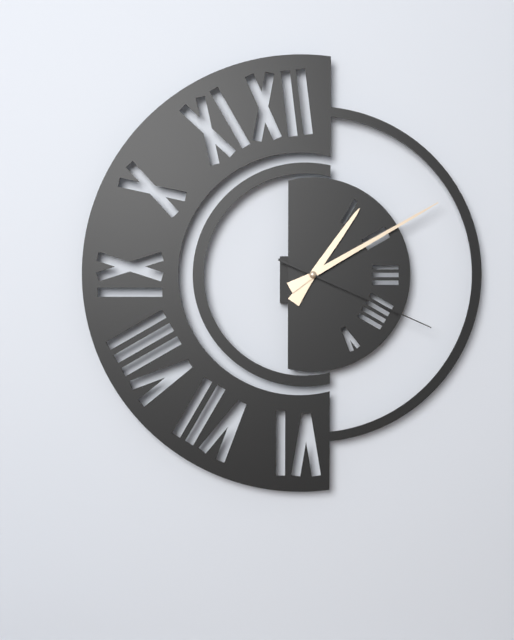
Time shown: {"hour": 1, "minute": 10, "second": 19}
